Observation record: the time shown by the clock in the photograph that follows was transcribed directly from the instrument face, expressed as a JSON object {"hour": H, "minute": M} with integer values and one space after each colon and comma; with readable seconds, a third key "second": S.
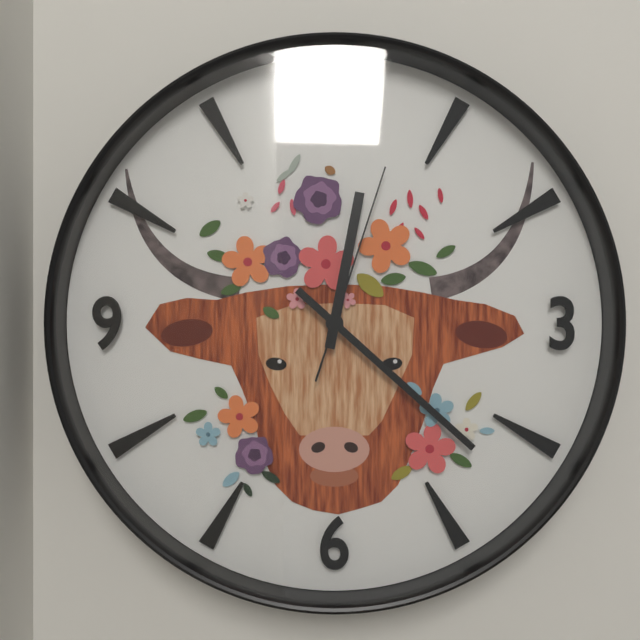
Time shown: {"hour": 12, "minute": 22, "second": 3}
